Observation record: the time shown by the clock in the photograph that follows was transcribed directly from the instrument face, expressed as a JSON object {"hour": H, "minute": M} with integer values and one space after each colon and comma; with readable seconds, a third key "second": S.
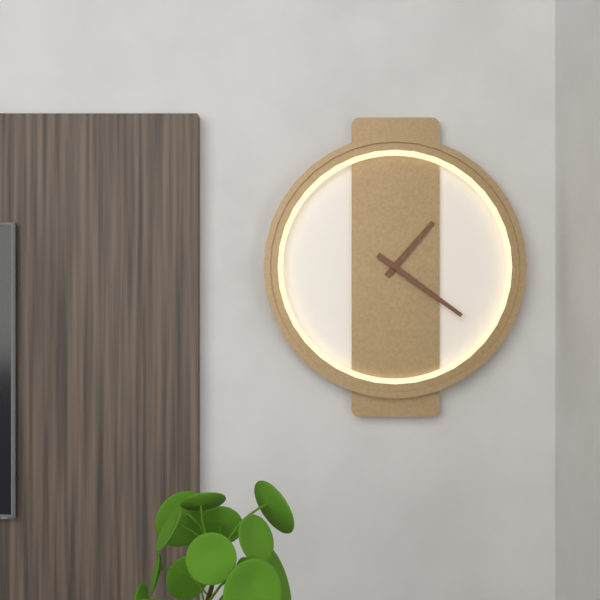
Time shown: {"hour": 1, "minute": 21}
